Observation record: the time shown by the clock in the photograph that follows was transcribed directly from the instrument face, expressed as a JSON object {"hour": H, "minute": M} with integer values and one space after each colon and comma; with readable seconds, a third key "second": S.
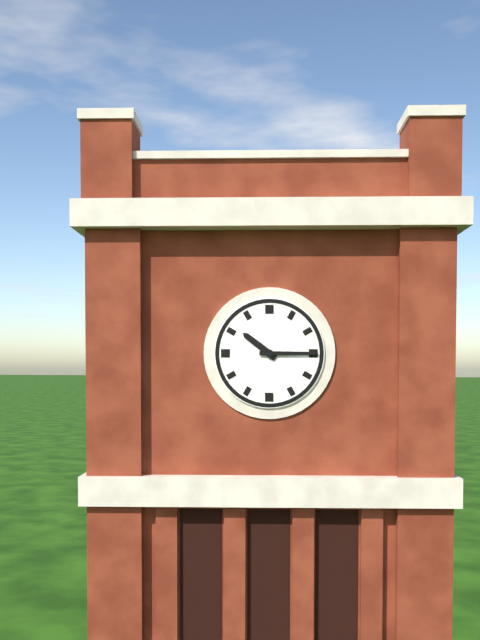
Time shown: {"hour": 10, "minute": 15}
